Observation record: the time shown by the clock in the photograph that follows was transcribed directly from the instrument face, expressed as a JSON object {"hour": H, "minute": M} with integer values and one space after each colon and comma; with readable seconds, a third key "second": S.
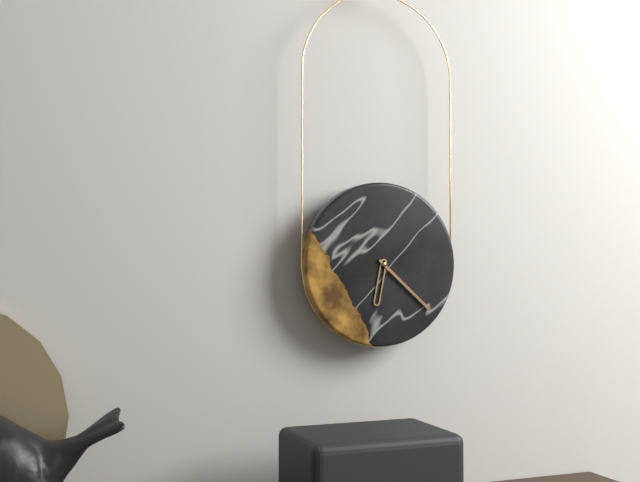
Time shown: {"hour": 6, "minute": 22}
